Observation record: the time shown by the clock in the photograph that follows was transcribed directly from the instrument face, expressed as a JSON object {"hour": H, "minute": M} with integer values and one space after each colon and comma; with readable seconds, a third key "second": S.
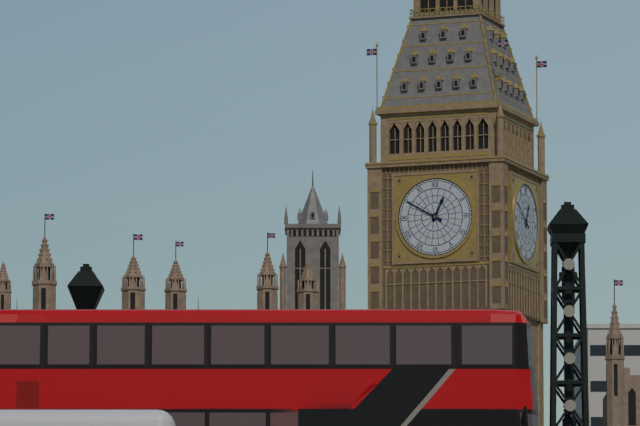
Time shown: {"hour": 12, "minute": 50}
